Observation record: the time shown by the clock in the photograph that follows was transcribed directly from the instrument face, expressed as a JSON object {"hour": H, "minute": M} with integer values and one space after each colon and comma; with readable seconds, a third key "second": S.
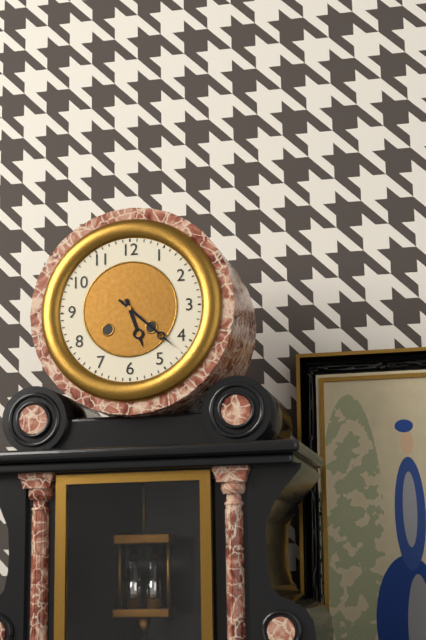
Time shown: {"hour": 5, "minute": 22}
